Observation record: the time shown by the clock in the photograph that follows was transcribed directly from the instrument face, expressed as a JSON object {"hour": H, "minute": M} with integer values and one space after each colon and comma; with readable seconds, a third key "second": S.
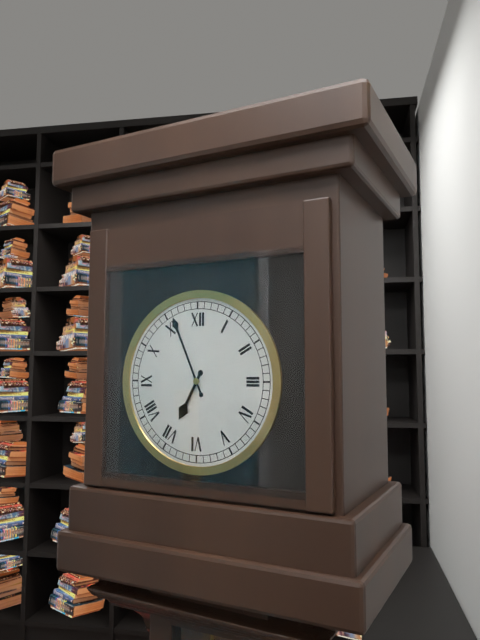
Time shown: {"hour": 6, "minute": 56}
